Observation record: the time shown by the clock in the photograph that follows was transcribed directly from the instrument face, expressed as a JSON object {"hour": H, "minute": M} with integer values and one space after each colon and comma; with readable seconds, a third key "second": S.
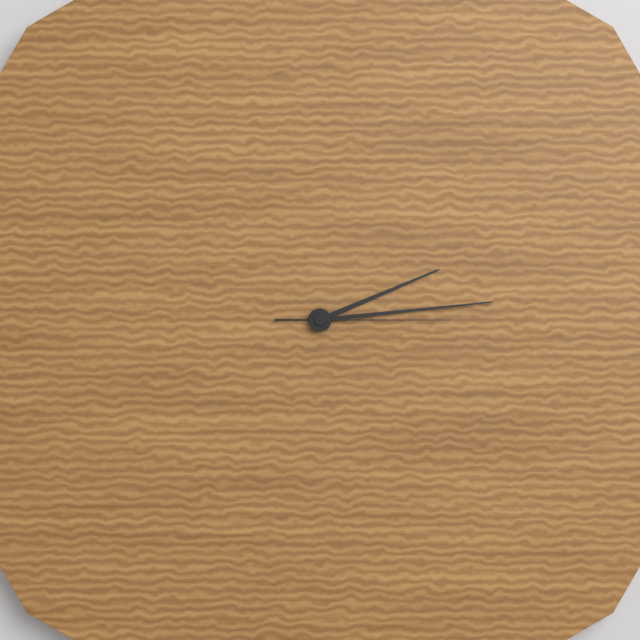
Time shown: {"hour": 2, "minute": 14, "second": 15}
